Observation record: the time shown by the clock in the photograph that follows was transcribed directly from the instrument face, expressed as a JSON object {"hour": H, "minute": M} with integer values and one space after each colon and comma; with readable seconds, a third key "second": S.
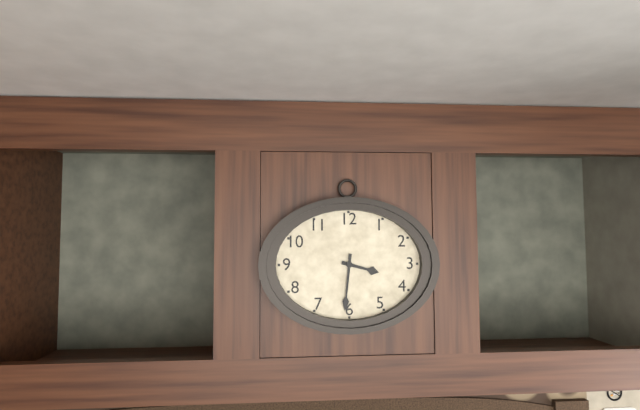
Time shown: {"hour": 3, "minute": 31}
